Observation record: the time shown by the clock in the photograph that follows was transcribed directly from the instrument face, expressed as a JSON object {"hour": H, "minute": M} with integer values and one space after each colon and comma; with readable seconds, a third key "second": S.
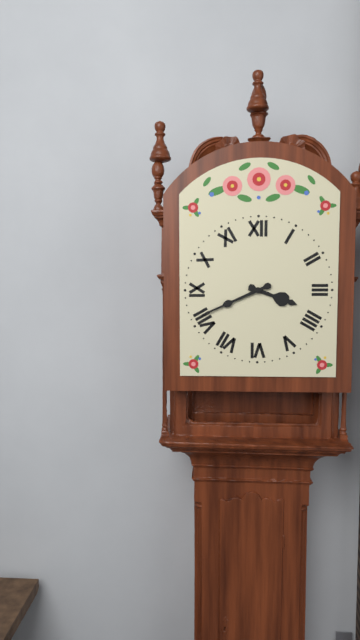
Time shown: {"hour": 3, "minute": 41}
